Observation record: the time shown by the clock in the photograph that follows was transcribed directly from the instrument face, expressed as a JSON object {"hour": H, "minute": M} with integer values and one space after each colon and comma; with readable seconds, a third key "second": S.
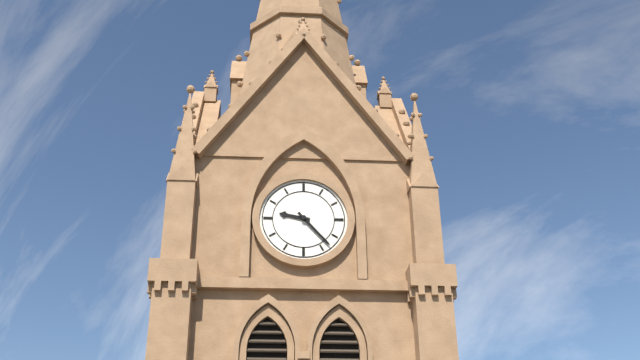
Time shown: {"hour": 9, "minute": 23}
